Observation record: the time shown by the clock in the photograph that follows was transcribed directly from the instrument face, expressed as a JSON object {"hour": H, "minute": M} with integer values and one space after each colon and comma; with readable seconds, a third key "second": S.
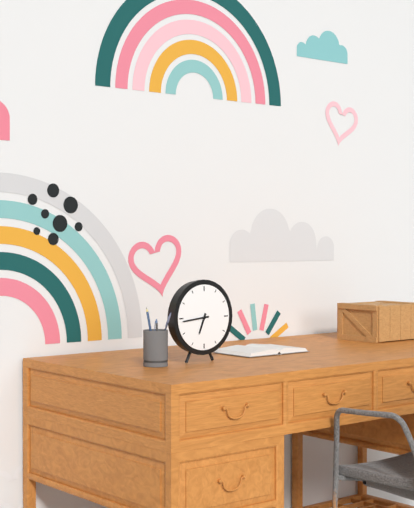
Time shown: {"hour": 6, "minute": 44}
